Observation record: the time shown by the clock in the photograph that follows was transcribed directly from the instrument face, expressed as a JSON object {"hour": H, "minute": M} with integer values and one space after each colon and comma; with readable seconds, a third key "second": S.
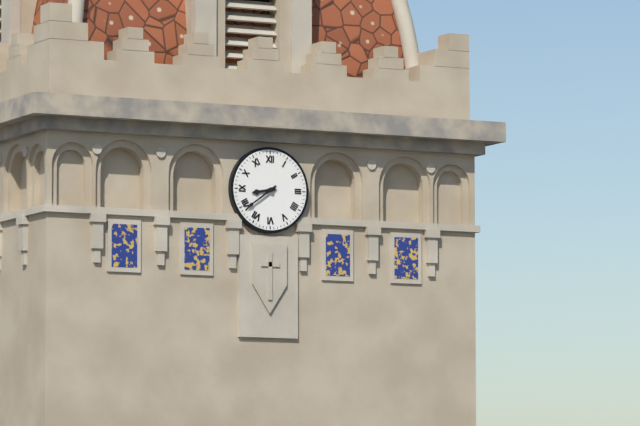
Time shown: {"hour": 8, "minute": 39}
